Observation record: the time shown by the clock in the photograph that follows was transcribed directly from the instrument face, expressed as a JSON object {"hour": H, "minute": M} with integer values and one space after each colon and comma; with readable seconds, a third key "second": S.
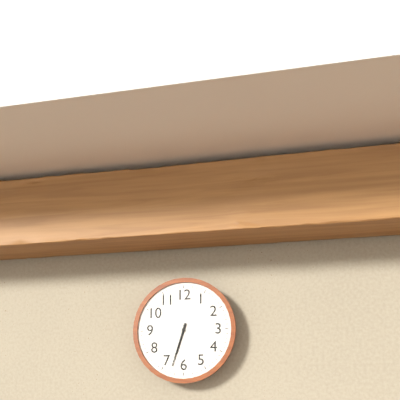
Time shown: {"hour": 6, "minute": 33}
